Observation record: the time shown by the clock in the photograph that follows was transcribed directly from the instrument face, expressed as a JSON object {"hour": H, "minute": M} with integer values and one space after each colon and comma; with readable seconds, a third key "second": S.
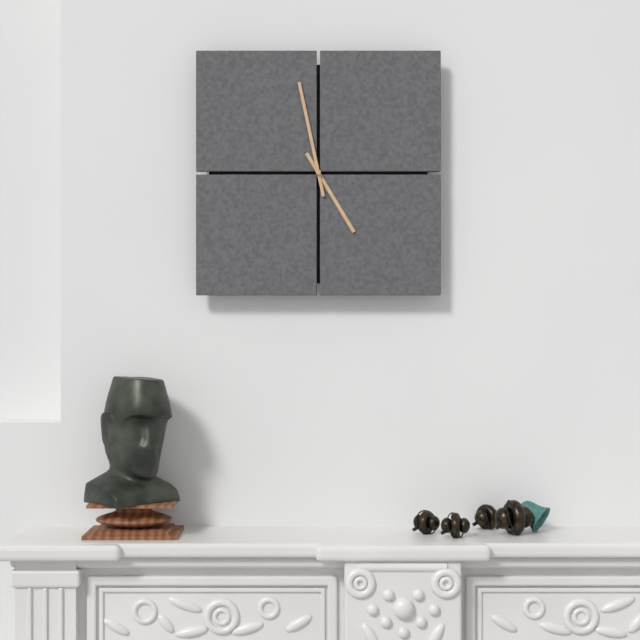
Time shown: {"hour": 4, "minute": 58}
